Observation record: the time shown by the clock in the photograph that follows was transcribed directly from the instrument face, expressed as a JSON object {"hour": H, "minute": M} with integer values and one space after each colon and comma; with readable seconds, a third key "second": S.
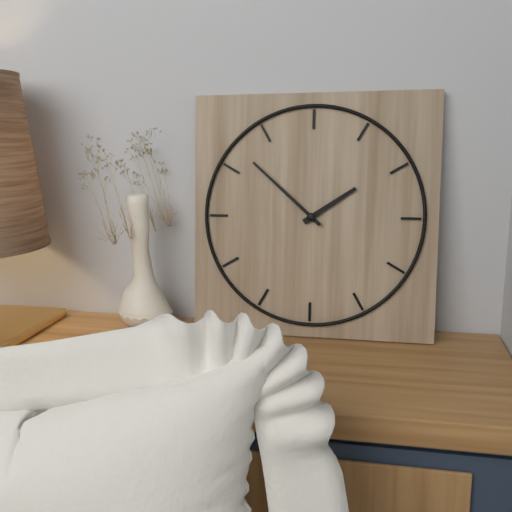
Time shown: {"hour": 1, "minute": 52}
